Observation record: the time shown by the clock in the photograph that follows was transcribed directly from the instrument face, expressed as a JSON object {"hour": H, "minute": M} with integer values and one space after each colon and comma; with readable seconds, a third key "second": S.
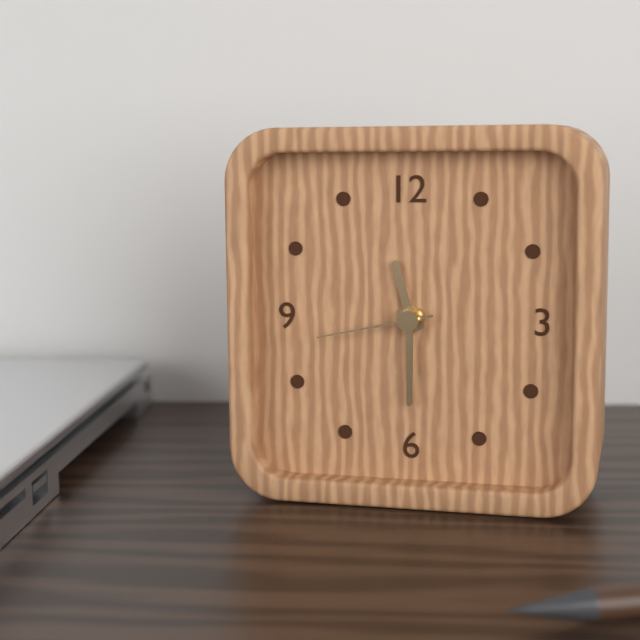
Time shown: {"hour": 11, "minute": 30, "second": 43}
